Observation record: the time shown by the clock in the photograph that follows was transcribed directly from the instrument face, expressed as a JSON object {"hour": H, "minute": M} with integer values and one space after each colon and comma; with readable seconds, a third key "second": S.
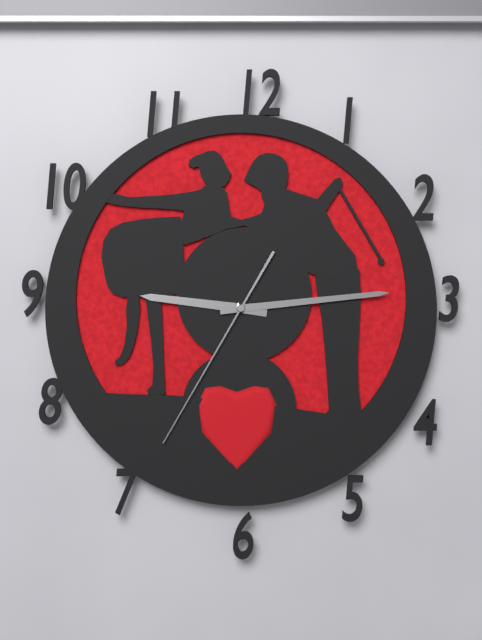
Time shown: {"hour": 9, "minute": 14, "second": 35}
